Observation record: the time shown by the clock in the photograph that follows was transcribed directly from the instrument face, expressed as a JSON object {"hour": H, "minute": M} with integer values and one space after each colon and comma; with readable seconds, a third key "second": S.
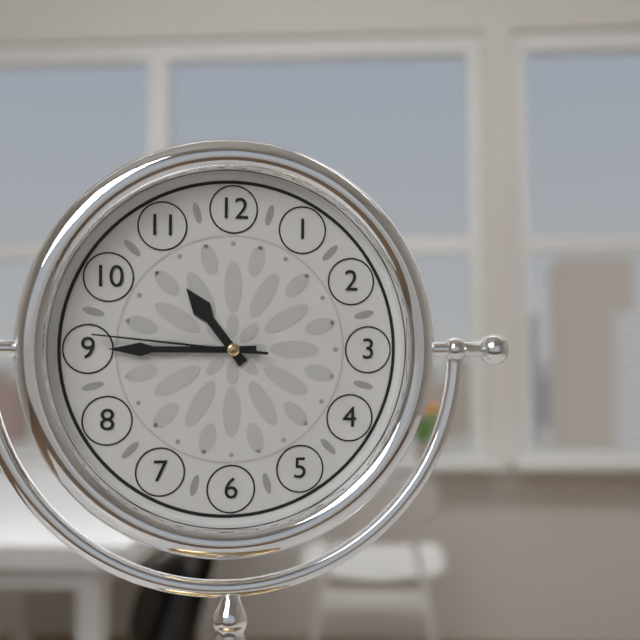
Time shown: {"hour": 10, "minute": 45, "second": 46}
